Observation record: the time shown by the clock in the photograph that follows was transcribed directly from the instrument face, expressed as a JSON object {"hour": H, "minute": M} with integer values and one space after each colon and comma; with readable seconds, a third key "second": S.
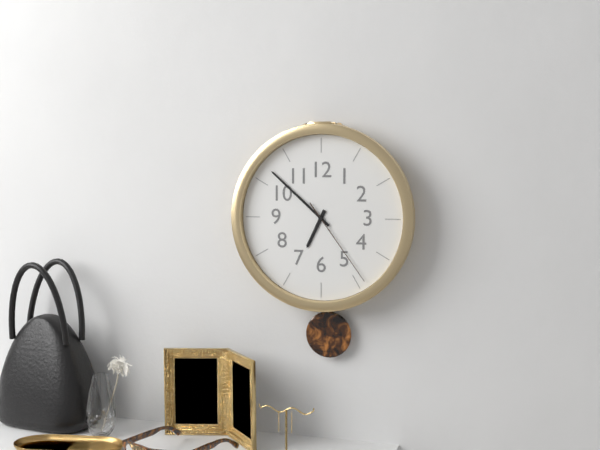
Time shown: {"hour": 6, "minute": 52, "second": 24}
